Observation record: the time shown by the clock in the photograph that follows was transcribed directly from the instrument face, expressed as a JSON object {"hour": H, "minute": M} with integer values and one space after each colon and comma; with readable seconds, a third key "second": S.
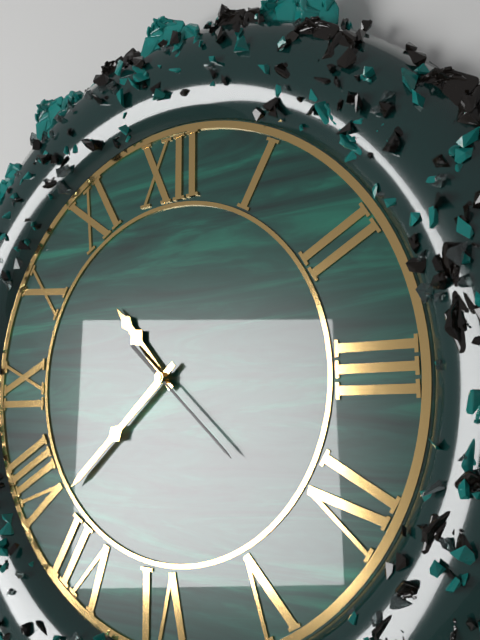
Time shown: {"hour": 10, "minute": 38, "second": 22}
